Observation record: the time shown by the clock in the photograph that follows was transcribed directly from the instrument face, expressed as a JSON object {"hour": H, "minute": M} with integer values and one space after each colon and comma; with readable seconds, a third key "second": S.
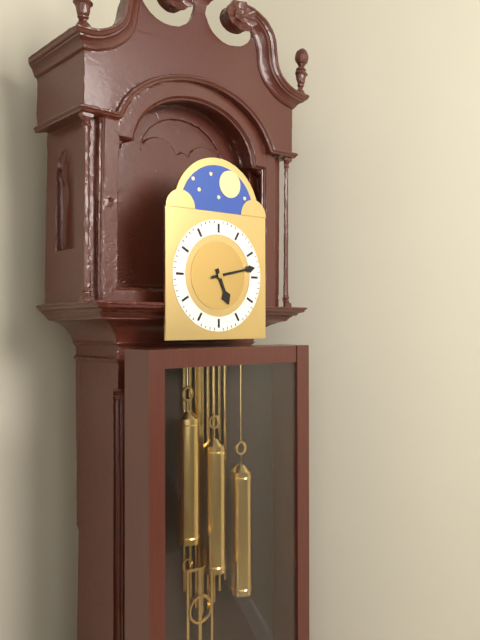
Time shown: {"hour": 5, "minute": 13}
